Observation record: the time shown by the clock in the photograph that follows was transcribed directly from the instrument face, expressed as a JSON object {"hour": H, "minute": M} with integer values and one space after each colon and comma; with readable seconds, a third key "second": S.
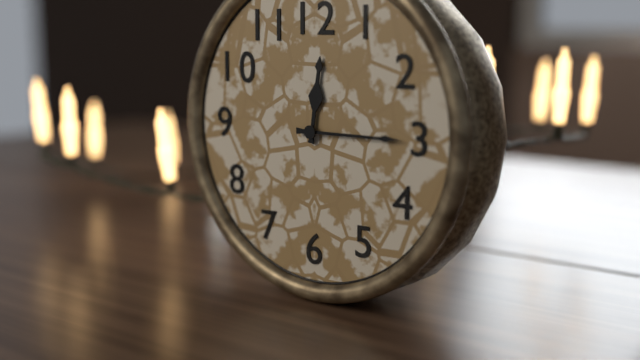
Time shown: {"hour": 12, "minute": 15}
